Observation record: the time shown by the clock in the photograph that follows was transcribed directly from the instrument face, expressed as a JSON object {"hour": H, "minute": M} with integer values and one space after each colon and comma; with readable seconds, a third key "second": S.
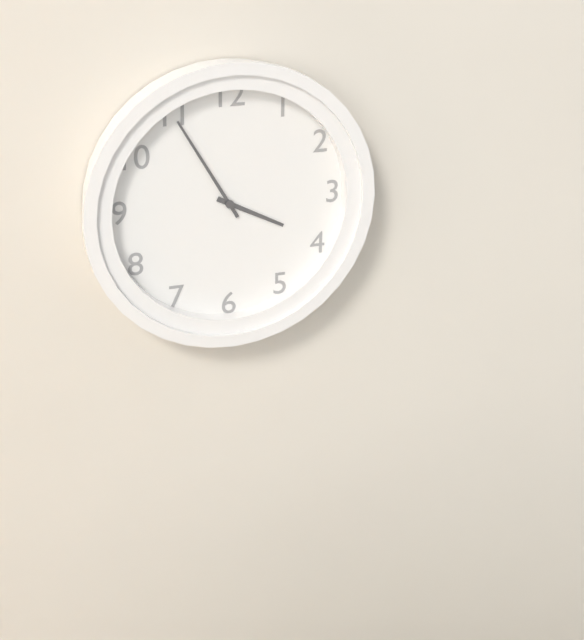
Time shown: {"hour": 3, "minute": 55}
